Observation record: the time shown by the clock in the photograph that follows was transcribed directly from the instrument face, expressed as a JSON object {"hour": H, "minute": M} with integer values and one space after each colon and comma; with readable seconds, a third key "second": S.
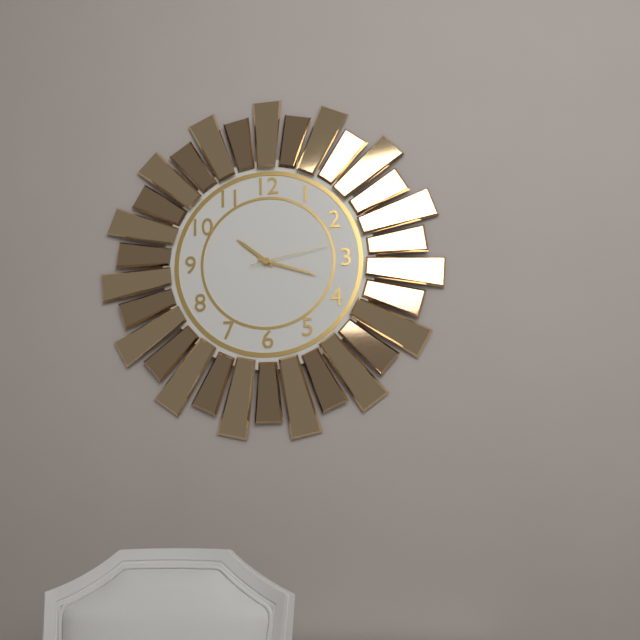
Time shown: {"hour": 10, "minute": 18, "second": 13}
